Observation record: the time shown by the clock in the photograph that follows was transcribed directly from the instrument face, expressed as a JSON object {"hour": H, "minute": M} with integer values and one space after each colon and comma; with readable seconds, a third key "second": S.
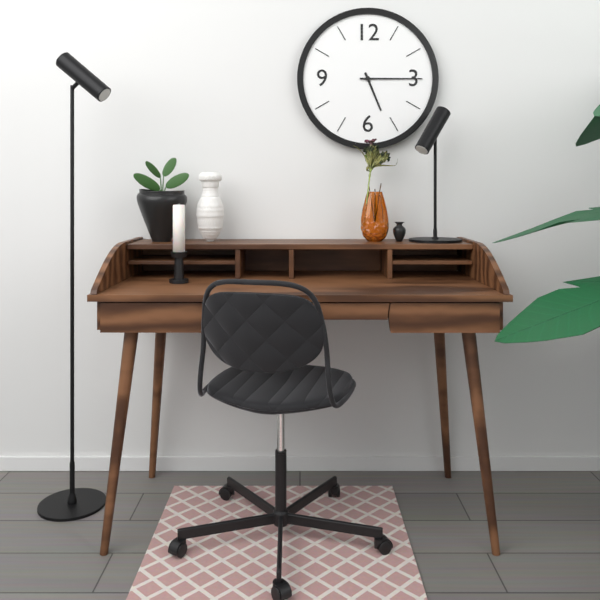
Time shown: {"hour": 5, "minute": 15}
